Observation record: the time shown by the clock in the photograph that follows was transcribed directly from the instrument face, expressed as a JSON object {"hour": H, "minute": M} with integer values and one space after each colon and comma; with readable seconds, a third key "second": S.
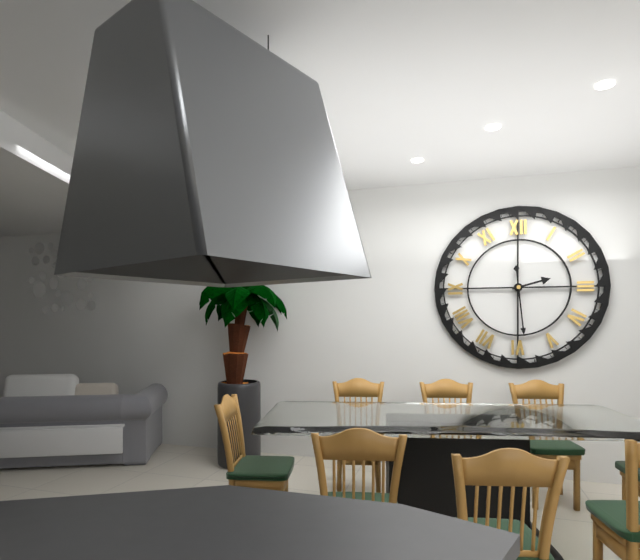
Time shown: {"hour": 2, "minute": 29}
